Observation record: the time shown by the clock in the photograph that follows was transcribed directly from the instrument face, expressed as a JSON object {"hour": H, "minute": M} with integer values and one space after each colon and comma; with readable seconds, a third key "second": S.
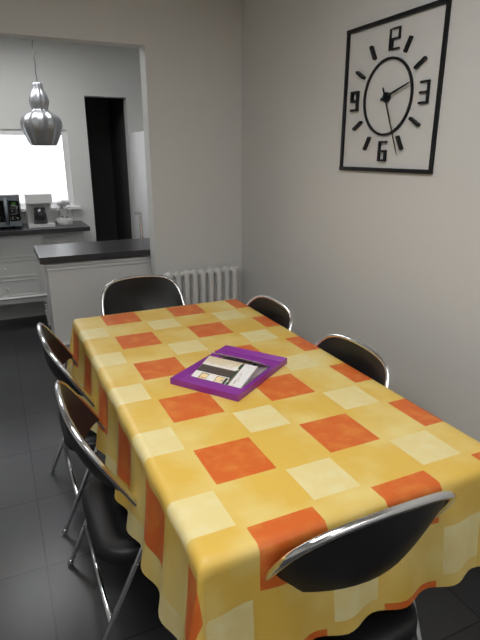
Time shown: {"hour": 2, "minute": 26}
